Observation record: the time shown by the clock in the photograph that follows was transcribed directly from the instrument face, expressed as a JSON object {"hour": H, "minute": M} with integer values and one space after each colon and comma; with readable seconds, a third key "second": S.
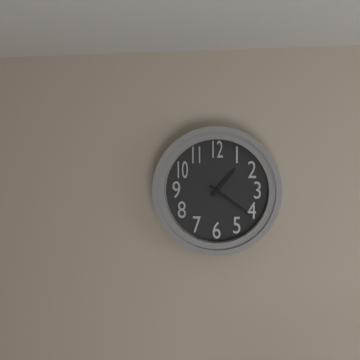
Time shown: {"hour": 1, "minute": 21}
